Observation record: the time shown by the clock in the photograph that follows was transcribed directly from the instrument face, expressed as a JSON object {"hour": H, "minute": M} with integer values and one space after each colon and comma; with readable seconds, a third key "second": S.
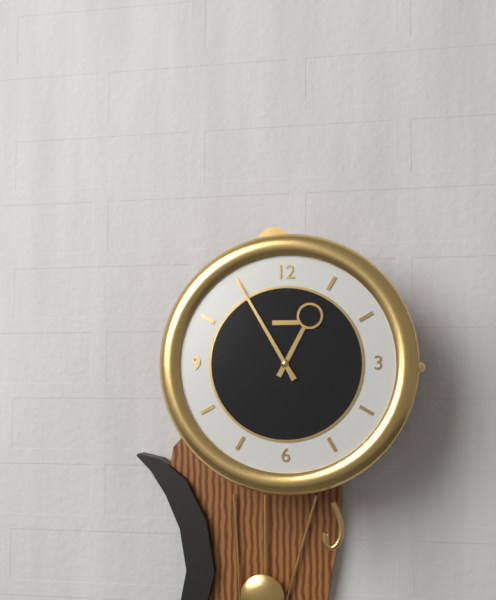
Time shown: {"hour": 12, "minute": 55}
